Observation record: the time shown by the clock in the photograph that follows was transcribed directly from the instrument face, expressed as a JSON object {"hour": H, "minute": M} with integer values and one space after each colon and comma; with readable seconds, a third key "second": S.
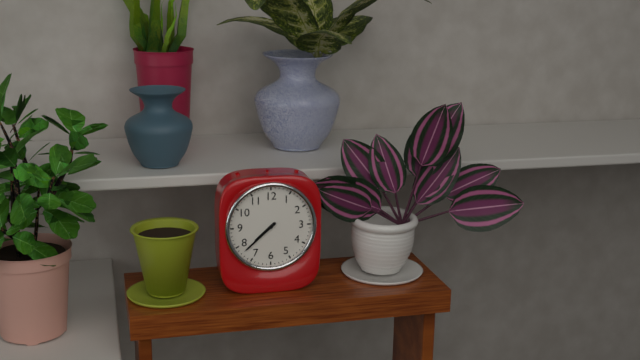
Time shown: {"hour": 7, "minute": 38}
